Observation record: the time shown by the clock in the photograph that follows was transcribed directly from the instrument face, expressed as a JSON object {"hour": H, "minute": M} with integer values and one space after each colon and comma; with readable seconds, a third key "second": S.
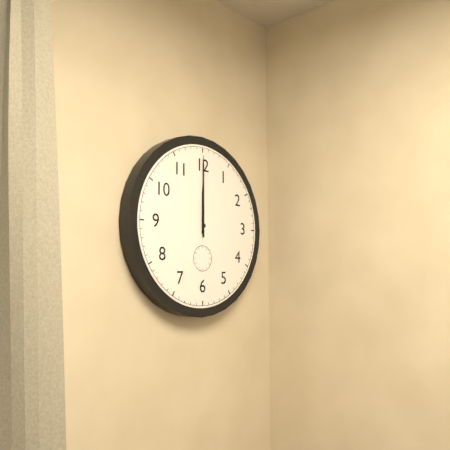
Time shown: {"hour": 12, "minute": 0}
